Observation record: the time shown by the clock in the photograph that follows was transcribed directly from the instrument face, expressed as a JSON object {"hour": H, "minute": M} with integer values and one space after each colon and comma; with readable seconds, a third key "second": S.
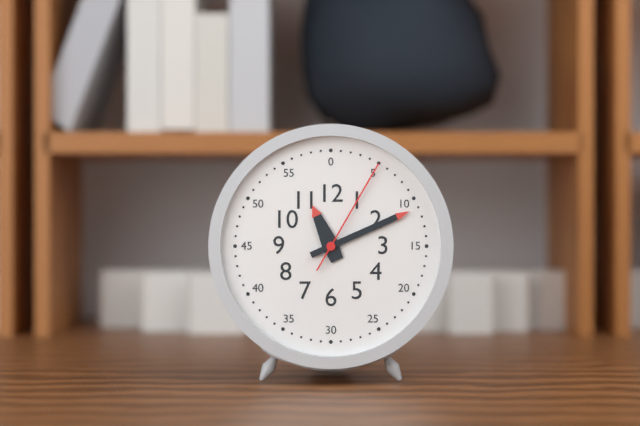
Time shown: {"hour": 11, "minute": 11, "second": 5}
